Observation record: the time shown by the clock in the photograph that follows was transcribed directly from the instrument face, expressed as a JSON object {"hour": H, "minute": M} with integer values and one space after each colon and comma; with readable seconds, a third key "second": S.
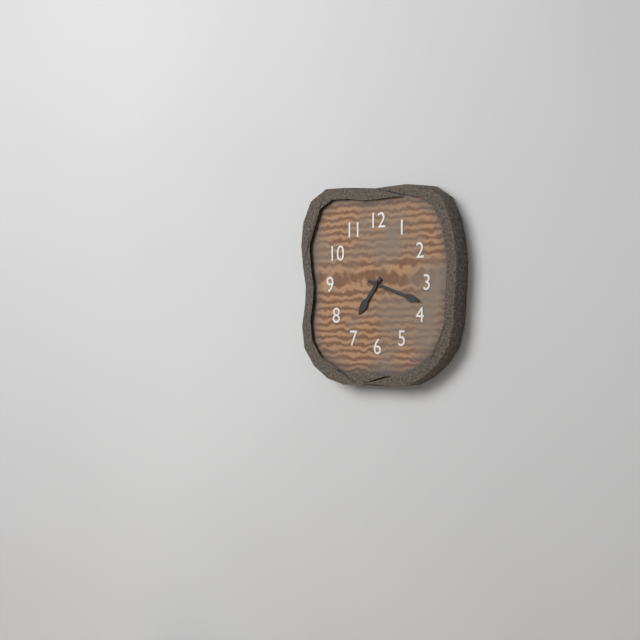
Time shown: {"hour": 7, "minute": 18}
